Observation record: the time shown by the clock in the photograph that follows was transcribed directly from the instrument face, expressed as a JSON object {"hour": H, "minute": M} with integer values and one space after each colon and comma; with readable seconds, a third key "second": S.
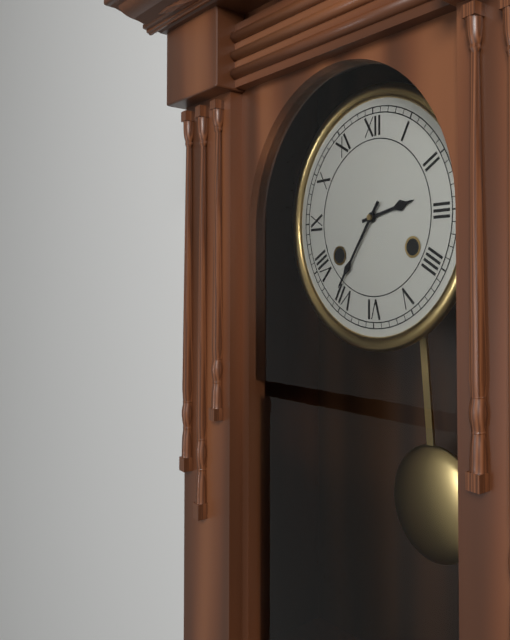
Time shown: {"hour": 2, "minute": 36}
